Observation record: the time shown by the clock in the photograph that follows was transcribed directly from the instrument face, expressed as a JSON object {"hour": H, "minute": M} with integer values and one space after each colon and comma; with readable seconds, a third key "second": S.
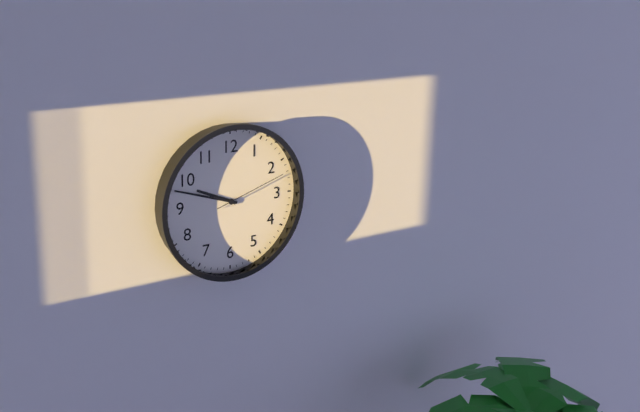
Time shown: {"hour": 9, "minute": 48, "second": 12}
